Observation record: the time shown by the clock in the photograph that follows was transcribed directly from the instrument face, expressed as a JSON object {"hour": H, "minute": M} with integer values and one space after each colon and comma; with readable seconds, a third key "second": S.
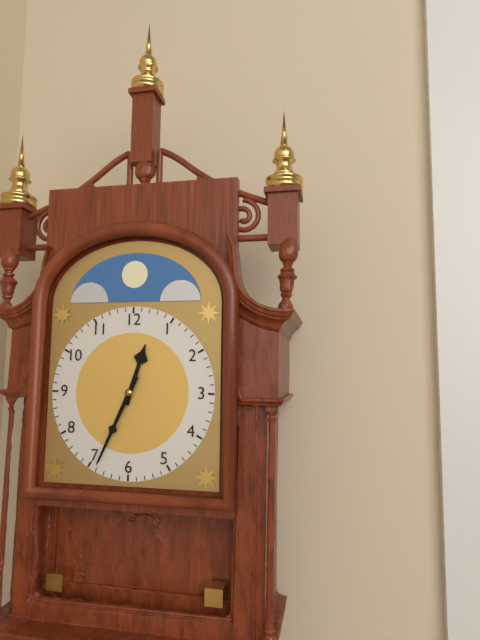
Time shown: {"hour": 12, "minute": 34}
